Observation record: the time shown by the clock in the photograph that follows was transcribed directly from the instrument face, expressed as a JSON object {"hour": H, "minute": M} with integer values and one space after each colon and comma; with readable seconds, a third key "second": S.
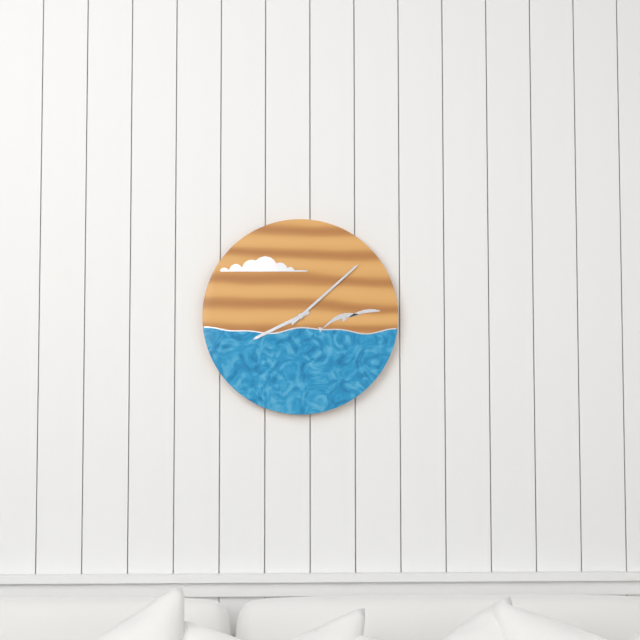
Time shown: {"hour": 8, "minute": 8}
